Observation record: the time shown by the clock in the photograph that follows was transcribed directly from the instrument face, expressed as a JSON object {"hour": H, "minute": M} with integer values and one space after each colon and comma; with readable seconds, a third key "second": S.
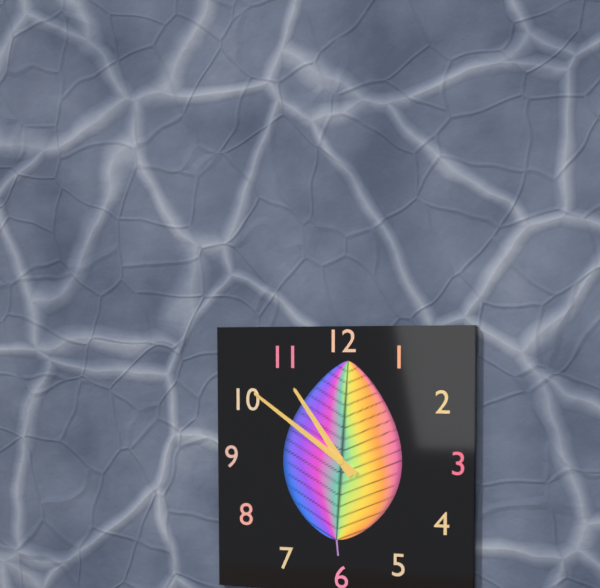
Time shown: {"hour": 10, "minute": 51}
